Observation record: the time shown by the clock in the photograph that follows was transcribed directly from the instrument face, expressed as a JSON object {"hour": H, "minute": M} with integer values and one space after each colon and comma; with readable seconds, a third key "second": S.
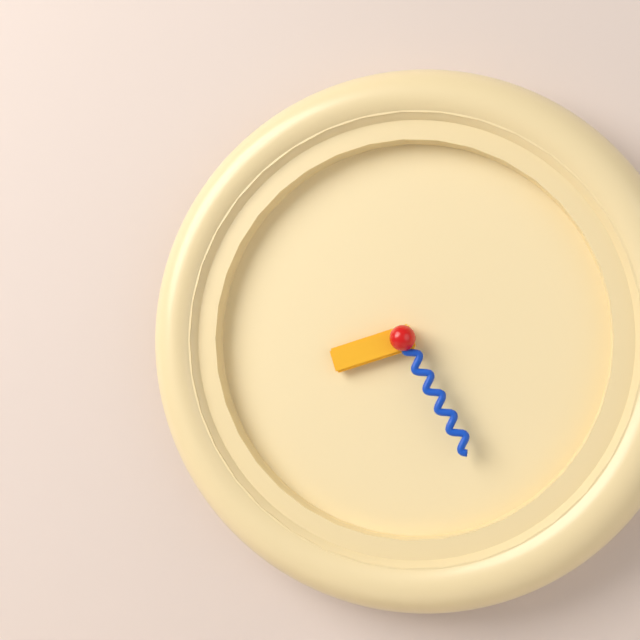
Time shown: {"hour": 8, "minute": 25}
